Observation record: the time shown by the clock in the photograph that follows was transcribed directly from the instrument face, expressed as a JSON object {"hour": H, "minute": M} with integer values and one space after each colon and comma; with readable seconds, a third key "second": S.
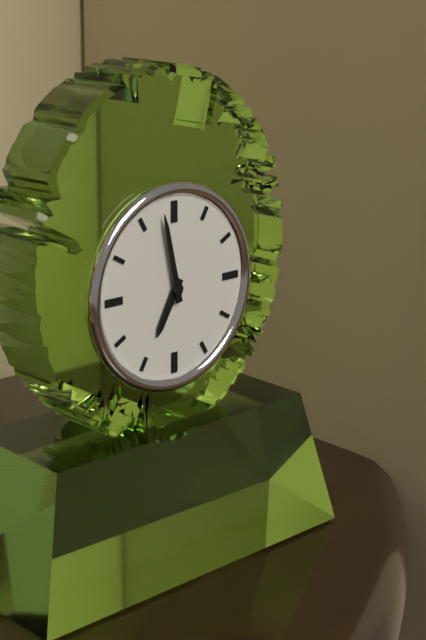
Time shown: {"hour": 6, "minute": 58}
